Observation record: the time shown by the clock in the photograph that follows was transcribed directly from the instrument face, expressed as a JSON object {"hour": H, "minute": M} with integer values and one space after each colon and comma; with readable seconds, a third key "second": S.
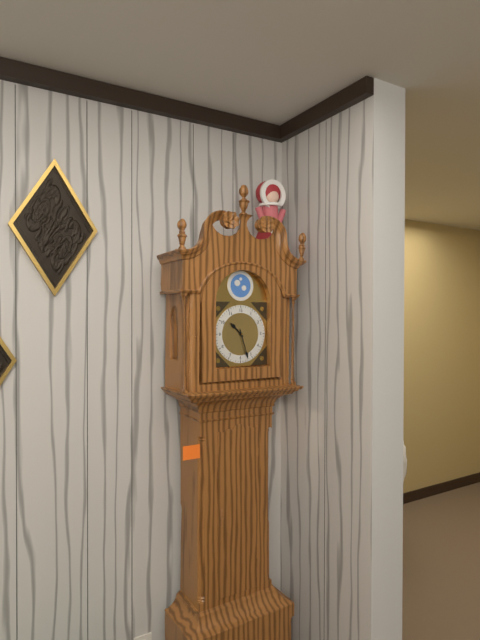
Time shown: {"hour": 10, "minute": 27}
